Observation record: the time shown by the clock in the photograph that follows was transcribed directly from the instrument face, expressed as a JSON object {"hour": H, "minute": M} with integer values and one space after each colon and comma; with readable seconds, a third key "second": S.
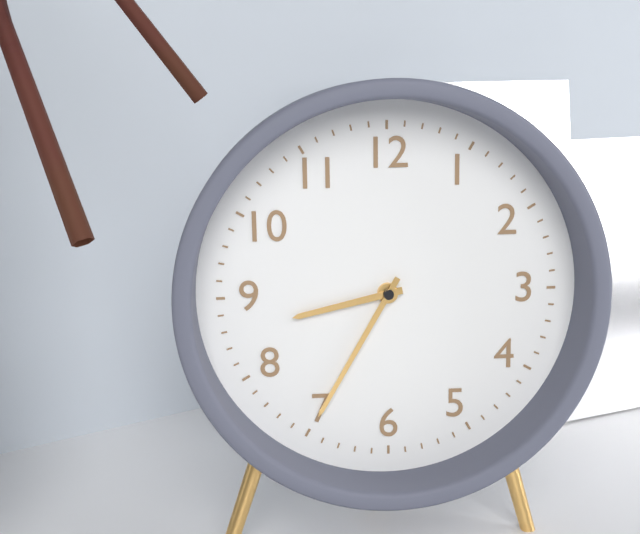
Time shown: {"hour": 8, "minute": 35}
